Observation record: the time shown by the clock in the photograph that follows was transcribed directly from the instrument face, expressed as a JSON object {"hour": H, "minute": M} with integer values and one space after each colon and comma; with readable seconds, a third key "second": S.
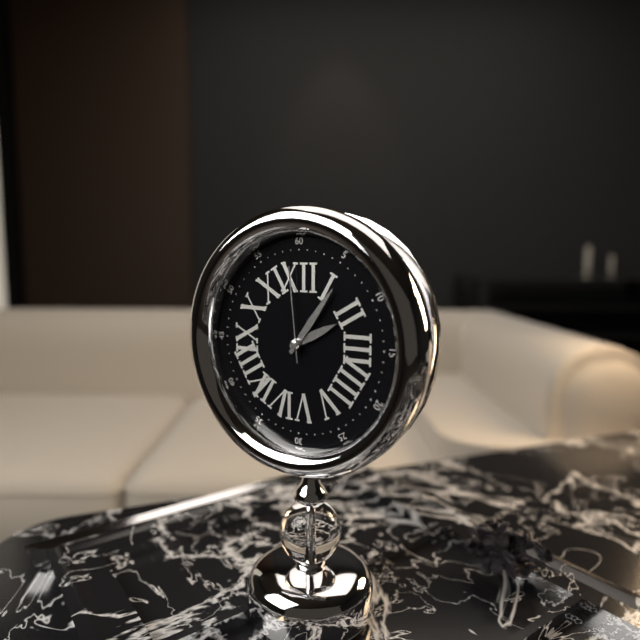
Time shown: {"hour": 2, "minute": 6, "second": 59}
